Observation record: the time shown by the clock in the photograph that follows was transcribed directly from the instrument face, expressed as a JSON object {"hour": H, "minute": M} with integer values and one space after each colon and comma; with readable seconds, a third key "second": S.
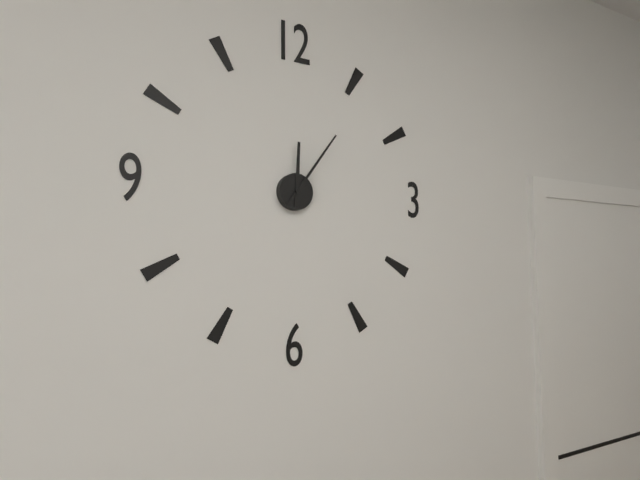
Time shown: {"hour": 12, "minute": 6}
